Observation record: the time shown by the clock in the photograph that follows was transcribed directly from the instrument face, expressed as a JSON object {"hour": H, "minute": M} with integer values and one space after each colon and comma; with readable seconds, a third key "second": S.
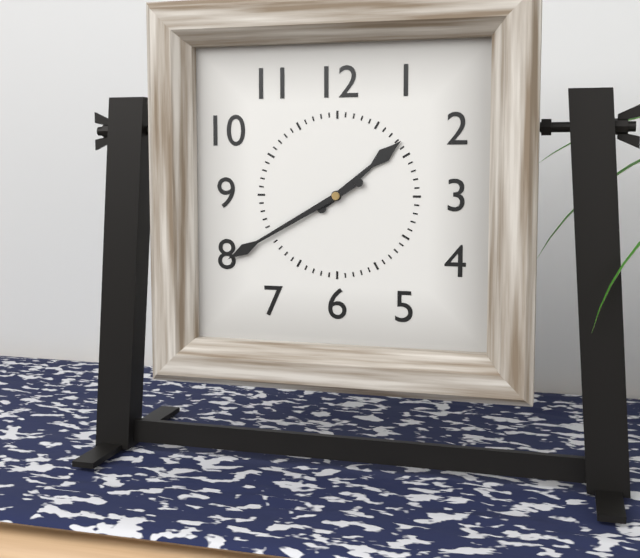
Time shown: {"hour": 1, "minute": 40}
